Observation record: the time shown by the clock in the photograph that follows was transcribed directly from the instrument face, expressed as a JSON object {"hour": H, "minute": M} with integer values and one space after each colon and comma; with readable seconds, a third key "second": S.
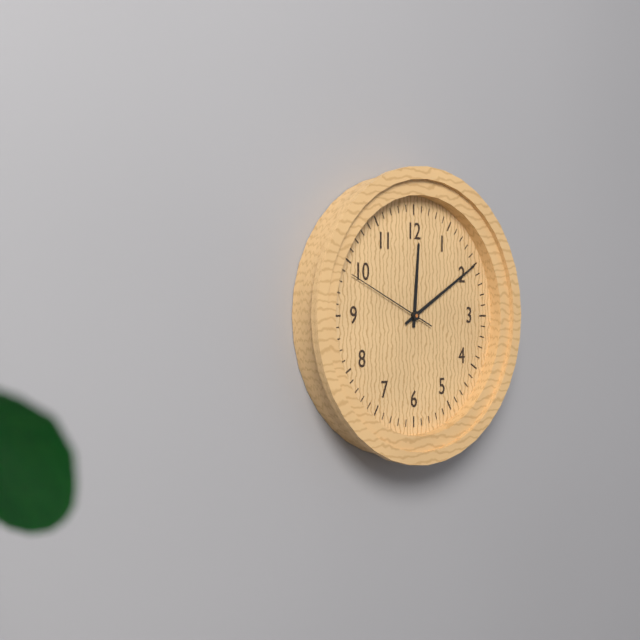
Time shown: {"hour": 12, "minute": 10, "second": 49}
